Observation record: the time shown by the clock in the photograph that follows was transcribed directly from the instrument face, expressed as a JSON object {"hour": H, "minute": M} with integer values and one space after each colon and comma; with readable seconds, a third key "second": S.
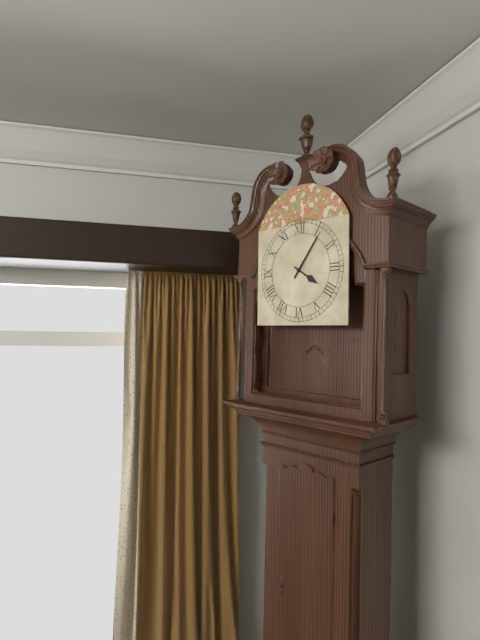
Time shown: {"hour": 4, "minute": 6}
